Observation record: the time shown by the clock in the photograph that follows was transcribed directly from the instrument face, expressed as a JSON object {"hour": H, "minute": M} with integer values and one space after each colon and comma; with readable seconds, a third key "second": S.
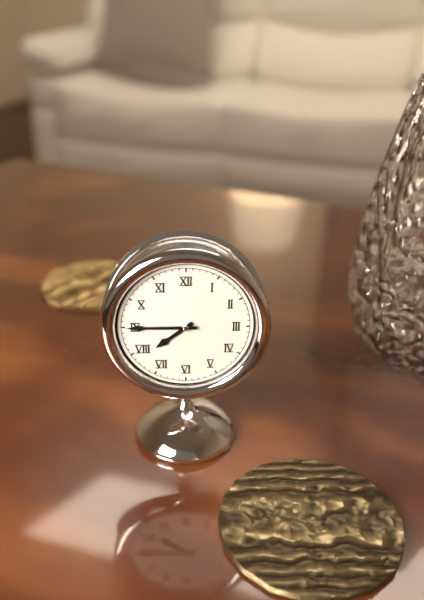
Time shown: {"hour": 7, "minute": 45}
